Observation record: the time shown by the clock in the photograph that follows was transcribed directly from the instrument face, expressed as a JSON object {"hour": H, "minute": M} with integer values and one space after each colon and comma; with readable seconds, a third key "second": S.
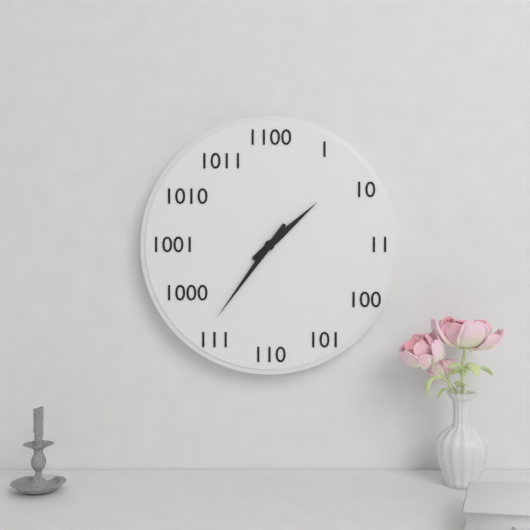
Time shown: {"hour": 1, "minute": 36}
